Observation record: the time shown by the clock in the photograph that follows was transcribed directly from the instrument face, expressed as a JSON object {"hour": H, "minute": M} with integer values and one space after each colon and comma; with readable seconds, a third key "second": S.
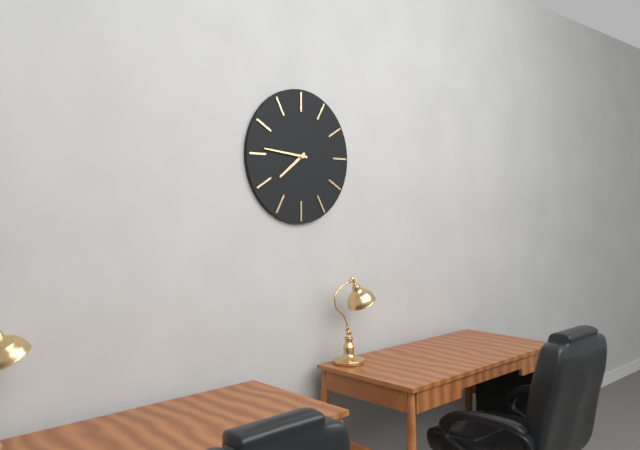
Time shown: {"hour": 7, "minute": 46}
